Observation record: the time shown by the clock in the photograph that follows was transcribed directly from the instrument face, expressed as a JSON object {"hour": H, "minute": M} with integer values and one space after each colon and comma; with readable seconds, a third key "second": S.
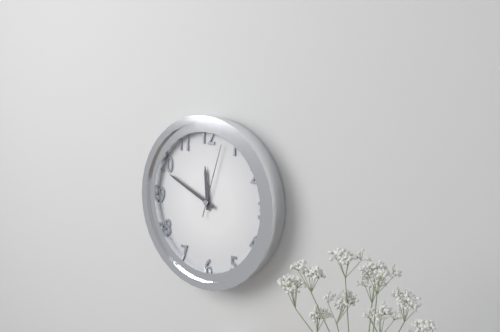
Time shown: {"hour": 11, "minute": 49, "second": 3}
